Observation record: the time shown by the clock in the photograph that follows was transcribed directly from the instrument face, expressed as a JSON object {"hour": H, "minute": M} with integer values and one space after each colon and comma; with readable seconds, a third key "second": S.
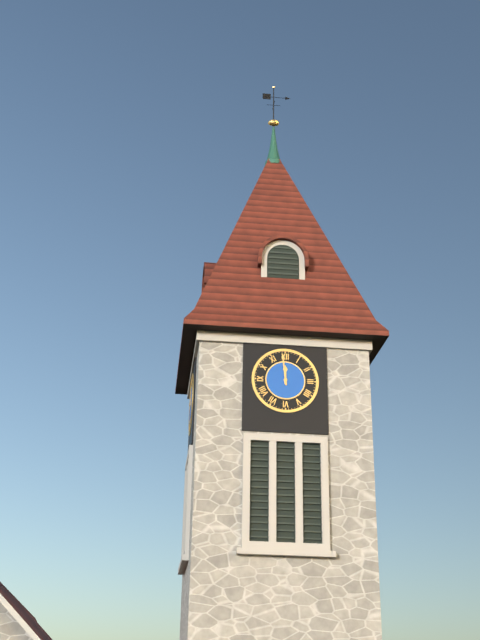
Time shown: {"hour": 11, "minute": 59}
